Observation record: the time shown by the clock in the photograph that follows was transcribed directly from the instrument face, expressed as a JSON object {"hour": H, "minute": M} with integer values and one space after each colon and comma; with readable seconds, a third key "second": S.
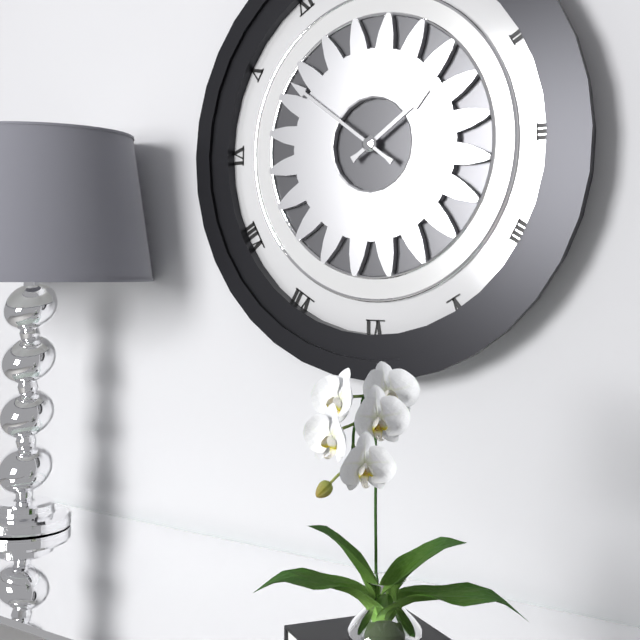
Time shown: {"hour": 1, "minute": 51}
